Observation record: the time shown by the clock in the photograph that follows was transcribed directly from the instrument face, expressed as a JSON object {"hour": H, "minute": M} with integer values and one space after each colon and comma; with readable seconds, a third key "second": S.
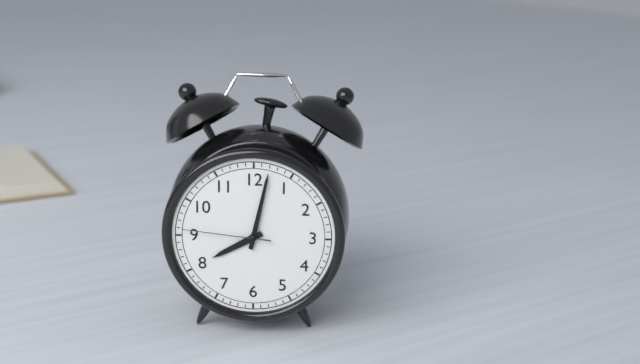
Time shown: {"hour": 8, "minute": 2, "second": 46}
